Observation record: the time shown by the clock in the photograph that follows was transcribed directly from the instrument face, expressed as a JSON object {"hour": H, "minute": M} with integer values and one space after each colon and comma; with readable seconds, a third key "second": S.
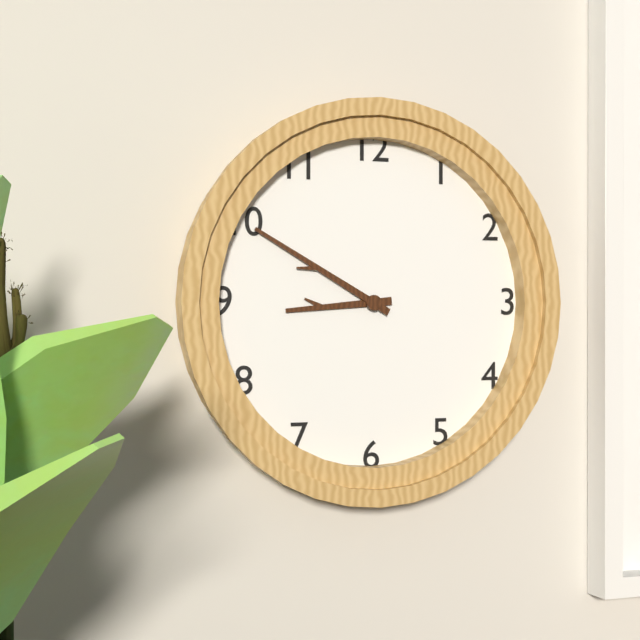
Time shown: {"hour": 8, "minute": 50}
